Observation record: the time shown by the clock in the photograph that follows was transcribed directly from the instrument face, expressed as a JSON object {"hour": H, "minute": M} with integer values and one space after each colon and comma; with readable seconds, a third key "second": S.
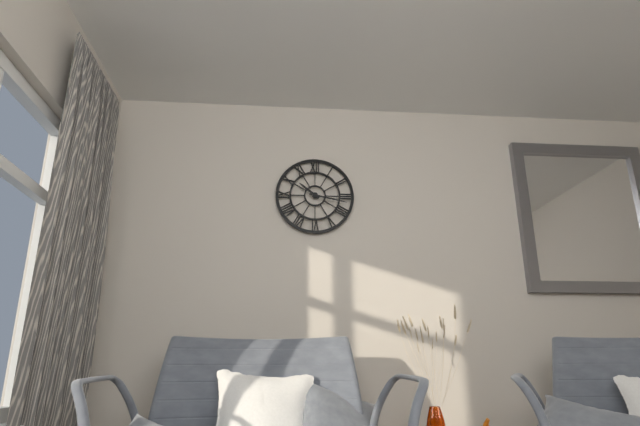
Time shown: {"hour": 10, "minute": 17}
